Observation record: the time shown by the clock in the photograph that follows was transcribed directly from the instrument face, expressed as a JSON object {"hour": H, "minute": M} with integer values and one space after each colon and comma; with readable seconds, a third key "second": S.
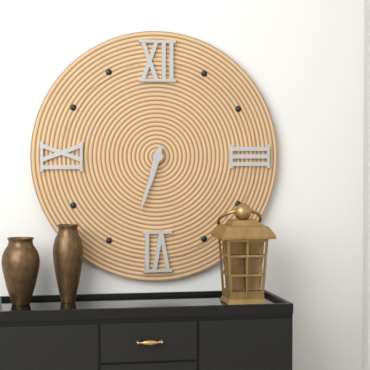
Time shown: {"hour": 6, "minute": 33}
